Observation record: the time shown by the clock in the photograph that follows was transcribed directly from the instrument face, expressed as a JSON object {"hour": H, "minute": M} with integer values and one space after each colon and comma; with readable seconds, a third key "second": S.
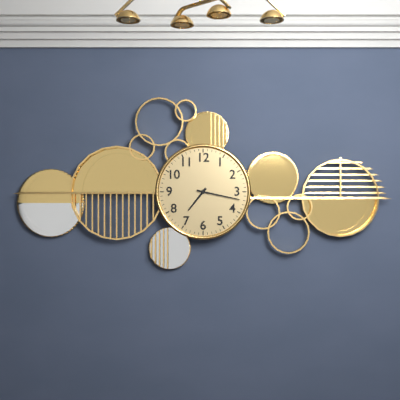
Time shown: {"hour": 7, "minute": 17}
